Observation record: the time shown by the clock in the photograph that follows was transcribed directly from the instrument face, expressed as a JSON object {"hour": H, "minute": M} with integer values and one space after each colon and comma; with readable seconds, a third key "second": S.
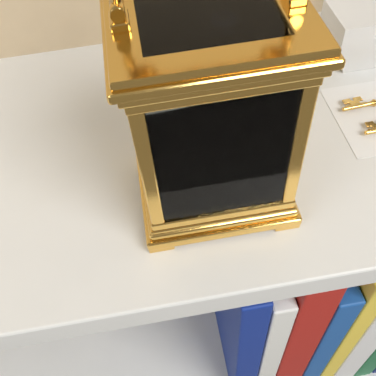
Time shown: {"hour": 4, "minute": 53}
